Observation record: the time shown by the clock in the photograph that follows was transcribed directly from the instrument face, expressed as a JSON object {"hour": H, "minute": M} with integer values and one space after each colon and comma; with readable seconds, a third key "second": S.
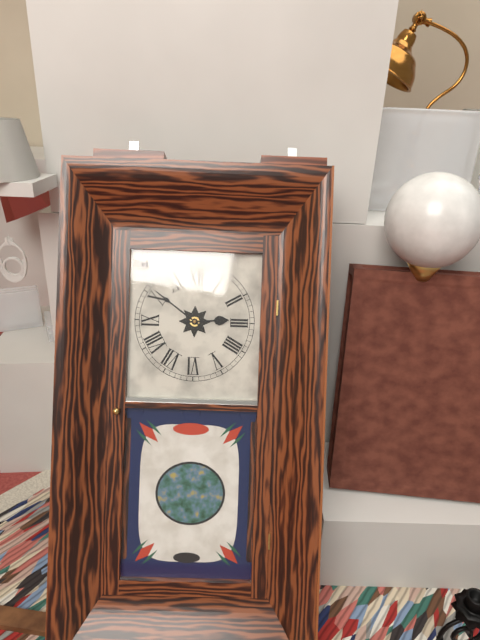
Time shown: {"hour": 2, "minute": 51}
